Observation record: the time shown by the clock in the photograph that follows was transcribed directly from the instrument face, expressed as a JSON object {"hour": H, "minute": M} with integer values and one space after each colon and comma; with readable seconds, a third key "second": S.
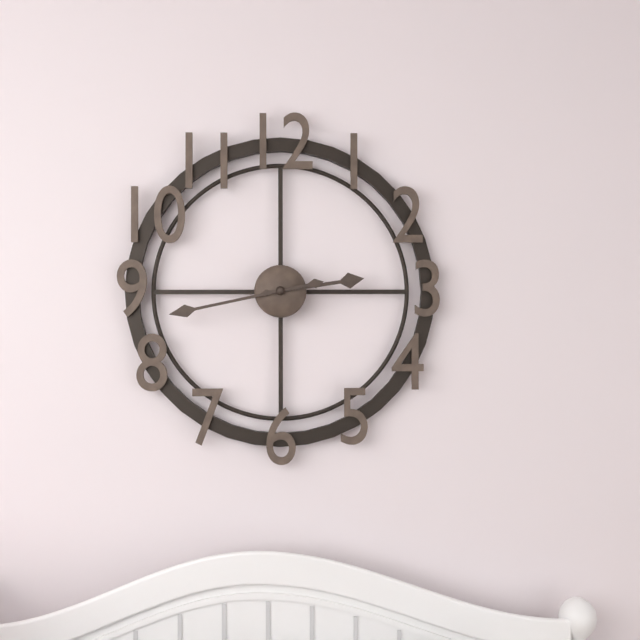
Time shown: {"hour": 2, "minute": 43}
